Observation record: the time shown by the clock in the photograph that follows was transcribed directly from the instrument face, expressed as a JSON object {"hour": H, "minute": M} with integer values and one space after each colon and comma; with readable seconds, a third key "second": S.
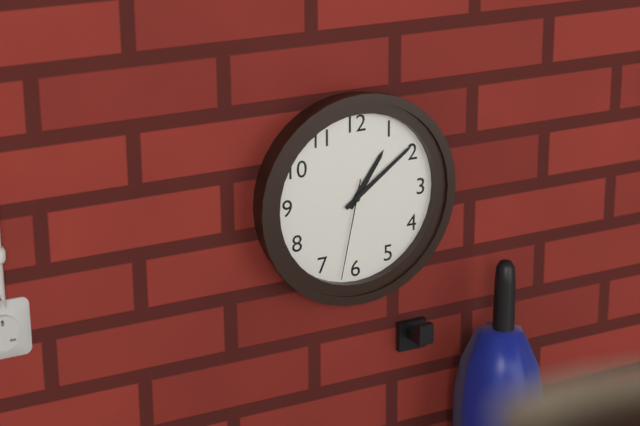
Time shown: {"hour": 1, "minute": 9, "second": 32}
